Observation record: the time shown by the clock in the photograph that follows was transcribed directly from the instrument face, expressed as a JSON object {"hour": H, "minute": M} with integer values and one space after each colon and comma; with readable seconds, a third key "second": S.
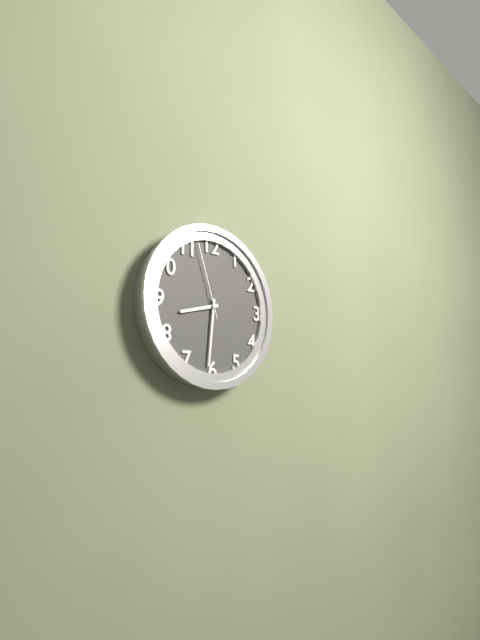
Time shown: {"hour": 8, "minute": 31, "second": 57}
